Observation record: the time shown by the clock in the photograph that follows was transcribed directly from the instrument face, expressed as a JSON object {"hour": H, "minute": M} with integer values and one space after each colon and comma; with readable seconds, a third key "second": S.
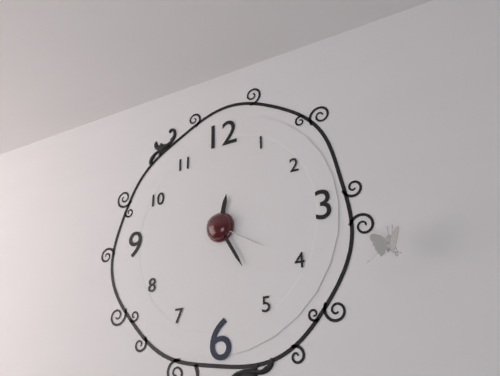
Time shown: {"hour": 12, "minute": 25, "second": 20}
